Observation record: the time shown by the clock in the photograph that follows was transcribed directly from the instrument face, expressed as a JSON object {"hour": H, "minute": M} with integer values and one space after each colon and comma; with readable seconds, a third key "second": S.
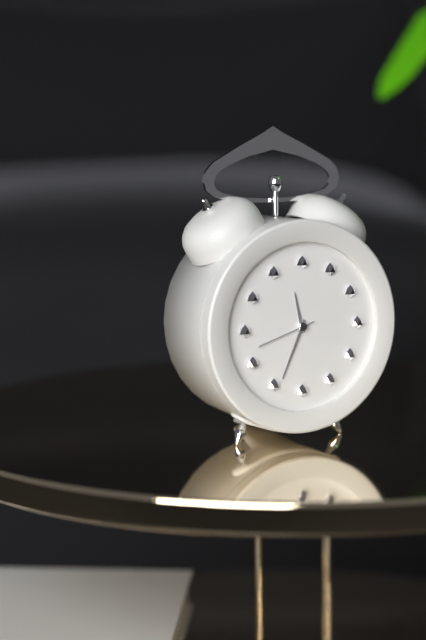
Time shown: {"hour": 11, "minute": 34, "second": 42}
